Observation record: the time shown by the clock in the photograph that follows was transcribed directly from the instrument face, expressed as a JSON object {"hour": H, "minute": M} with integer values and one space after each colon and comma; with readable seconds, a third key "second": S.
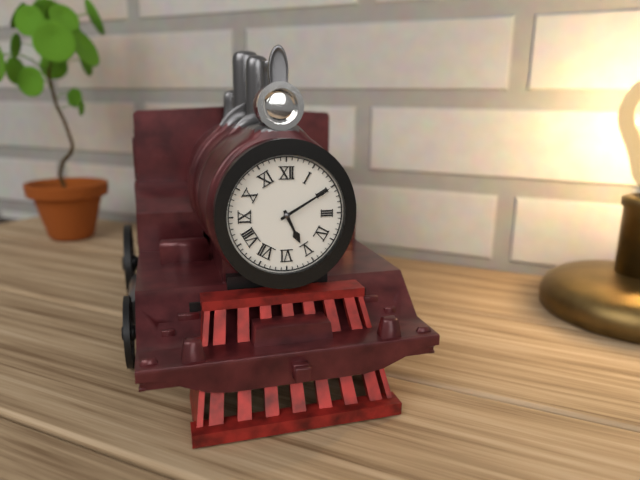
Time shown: {"hour": 5, "minute": 10}
